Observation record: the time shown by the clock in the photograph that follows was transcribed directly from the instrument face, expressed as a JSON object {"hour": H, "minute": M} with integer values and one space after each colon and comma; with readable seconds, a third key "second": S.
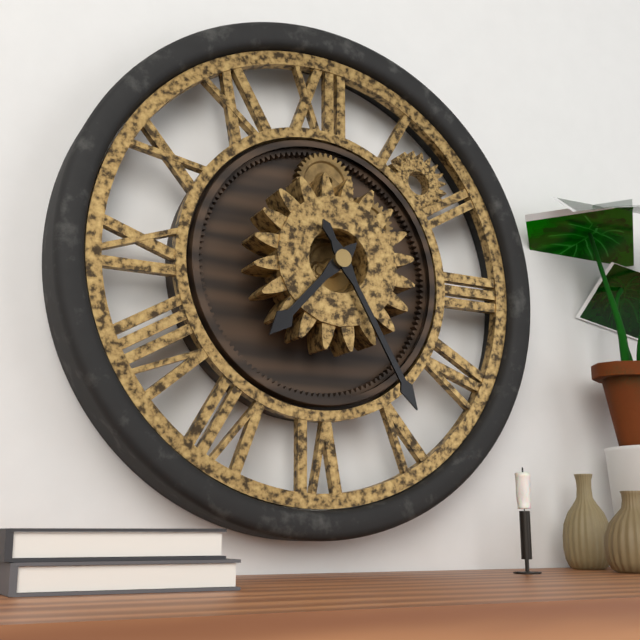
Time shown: {"hour": 7, "minute": 25}
